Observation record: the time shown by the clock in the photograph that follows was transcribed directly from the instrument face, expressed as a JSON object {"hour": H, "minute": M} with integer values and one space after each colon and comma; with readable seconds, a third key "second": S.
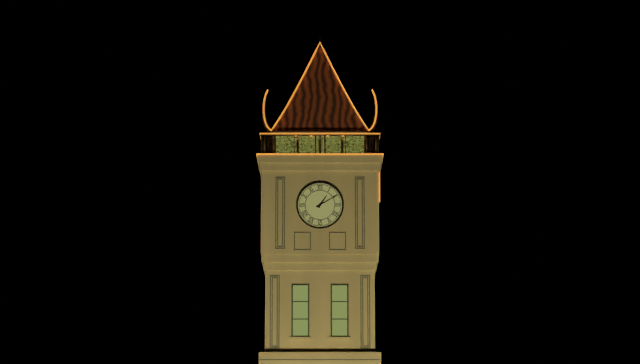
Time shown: {"hour": 1, "minute": 10}
